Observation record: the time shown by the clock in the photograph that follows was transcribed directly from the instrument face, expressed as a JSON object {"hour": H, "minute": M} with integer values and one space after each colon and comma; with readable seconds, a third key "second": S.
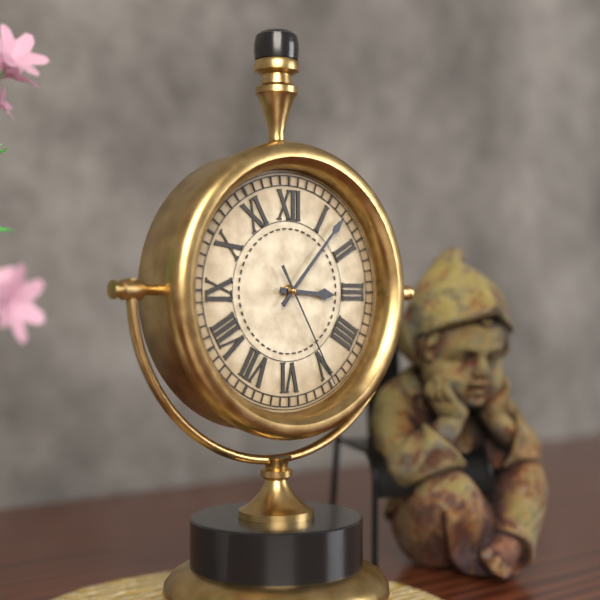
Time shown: {"hour": 3, "minute": 7, "second": 25}
